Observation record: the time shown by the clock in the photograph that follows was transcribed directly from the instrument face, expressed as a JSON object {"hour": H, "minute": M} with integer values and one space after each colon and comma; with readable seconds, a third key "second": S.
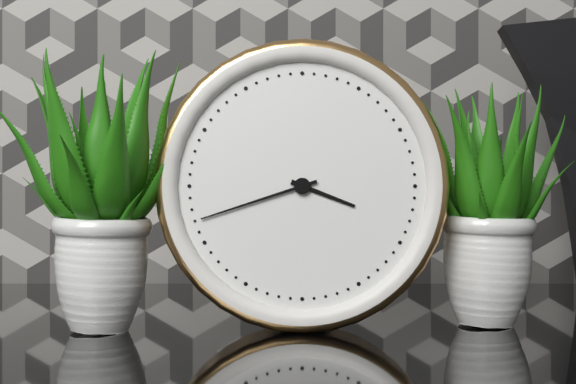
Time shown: {"hour": 3, "minute": 42}
